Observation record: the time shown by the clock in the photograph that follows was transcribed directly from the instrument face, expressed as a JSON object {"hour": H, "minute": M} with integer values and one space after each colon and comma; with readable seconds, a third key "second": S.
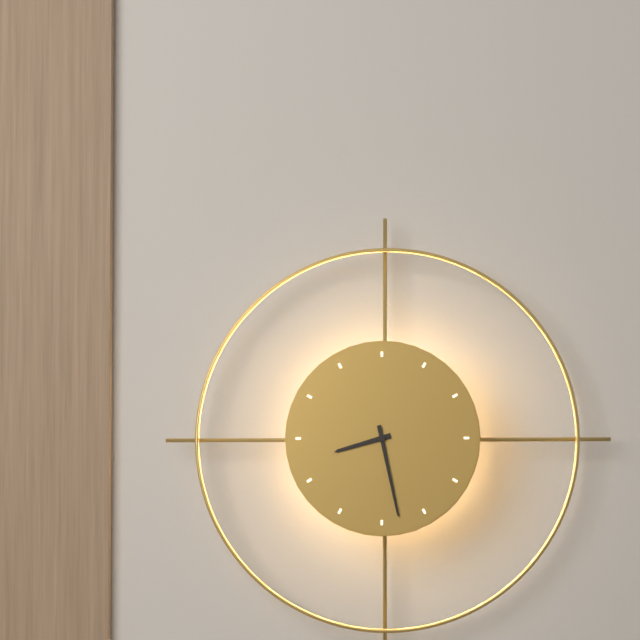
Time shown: {"hour": 8, "minute": 28}
